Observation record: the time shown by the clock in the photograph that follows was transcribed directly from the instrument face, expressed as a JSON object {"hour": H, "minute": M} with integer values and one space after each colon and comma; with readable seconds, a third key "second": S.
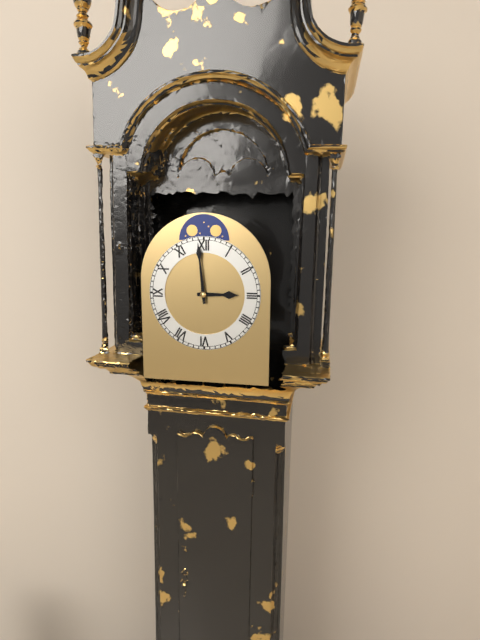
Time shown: {"hour": 2, "minute": 59}
